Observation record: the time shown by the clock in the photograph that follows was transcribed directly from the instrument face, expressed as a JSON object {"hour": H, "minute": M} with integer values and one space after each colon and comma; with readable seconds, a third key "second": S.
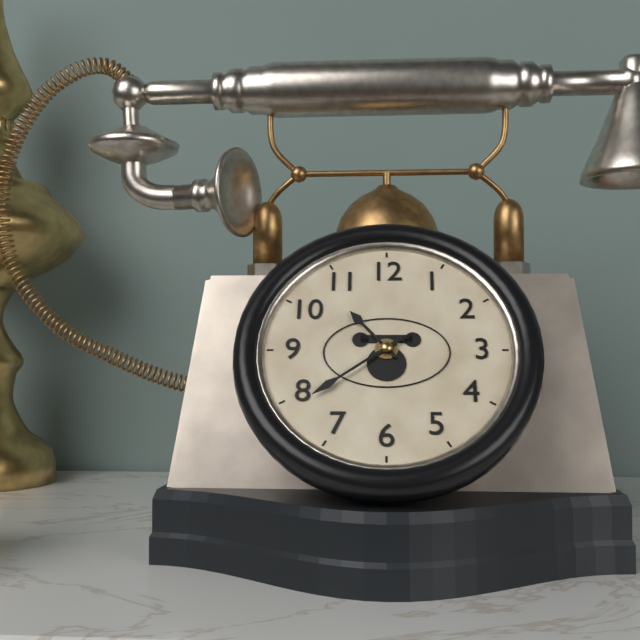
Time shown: {"hour": 10, "minute": 39}
